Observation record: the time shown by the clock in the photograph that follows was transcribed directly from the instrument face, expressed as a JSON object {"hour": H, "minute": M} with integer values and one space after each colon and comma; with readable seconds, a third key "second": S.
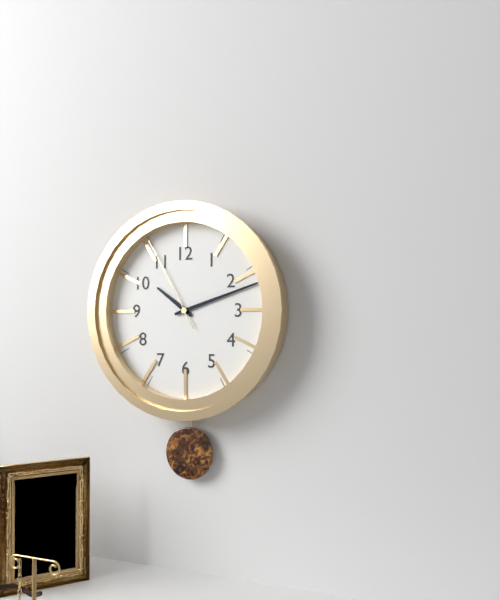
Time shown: {"hour": 10, "minute": 12, "second": 55}
